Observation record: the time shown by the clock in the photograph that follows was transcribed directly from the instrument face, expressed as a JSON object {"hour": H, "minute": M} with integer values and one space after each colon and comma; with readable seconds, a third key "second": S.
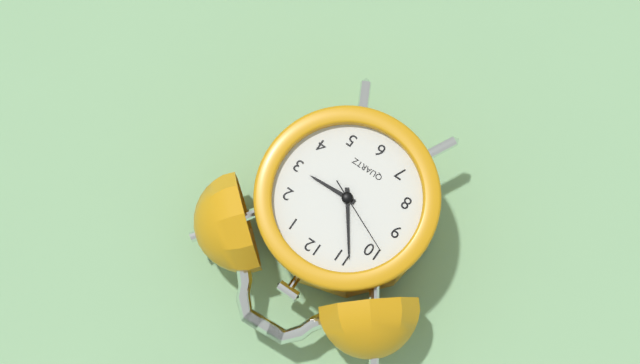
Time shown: {"hour": 2, "minute": 54, "second": 49}
